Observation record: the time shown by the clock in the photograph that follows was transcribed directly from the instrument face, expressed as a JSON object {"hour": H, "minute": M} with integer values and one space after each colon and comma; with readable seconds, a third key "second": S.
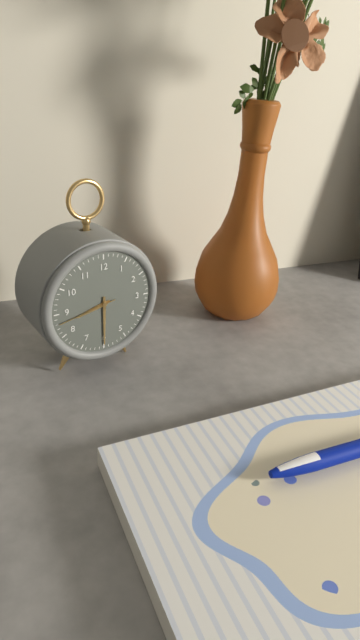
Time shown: {"hour": 8, "minute": 30, "second": 43}
